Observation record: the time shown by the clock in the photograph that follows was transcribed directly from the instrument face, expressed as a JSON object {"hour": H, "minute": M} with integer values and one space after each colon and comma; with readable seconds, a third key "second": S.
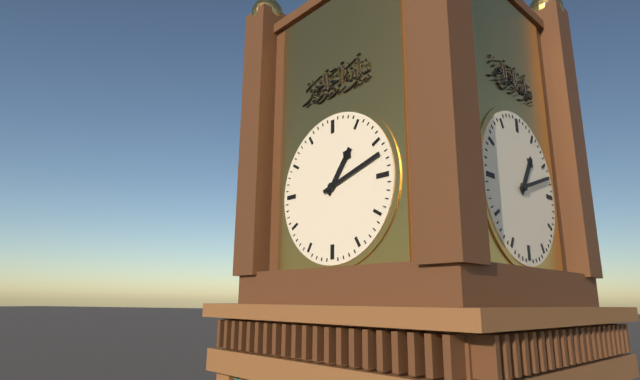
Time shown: {"hour": 1, "minute": 12}
